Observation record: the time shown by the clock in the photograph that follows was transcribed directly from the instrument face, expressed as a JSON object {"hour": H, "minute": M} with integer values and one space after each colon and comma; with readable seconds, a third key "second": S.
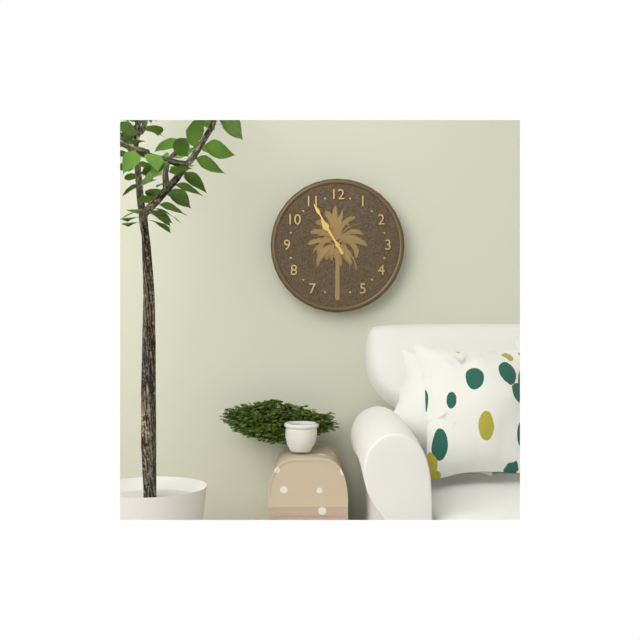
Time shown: {"hour": 10, "minute": 55}
